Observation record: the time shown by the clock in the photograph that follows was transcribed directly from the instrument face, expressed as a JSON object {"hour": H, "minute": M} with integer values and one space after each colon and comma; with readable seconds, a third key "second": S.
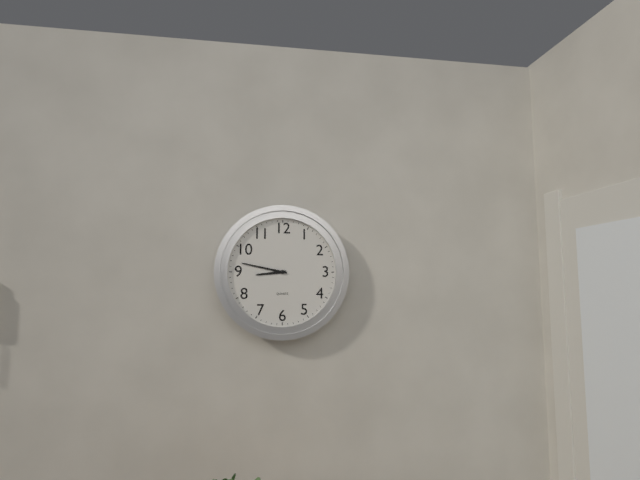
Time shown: {"hour": 8, "minute": 47}
